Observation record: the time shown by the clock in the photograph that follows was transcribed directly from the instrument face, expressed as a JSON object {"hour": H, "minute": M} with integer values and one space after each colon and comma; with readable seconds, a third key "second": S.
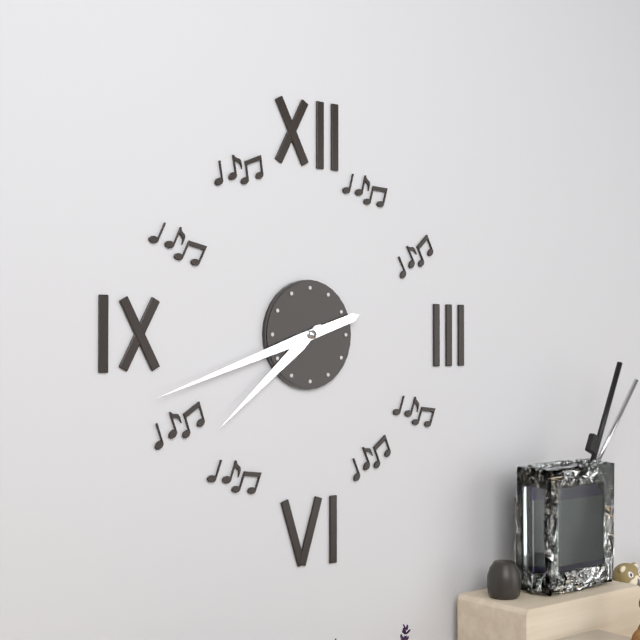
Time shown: {"hour": 7, "minute": 42}
